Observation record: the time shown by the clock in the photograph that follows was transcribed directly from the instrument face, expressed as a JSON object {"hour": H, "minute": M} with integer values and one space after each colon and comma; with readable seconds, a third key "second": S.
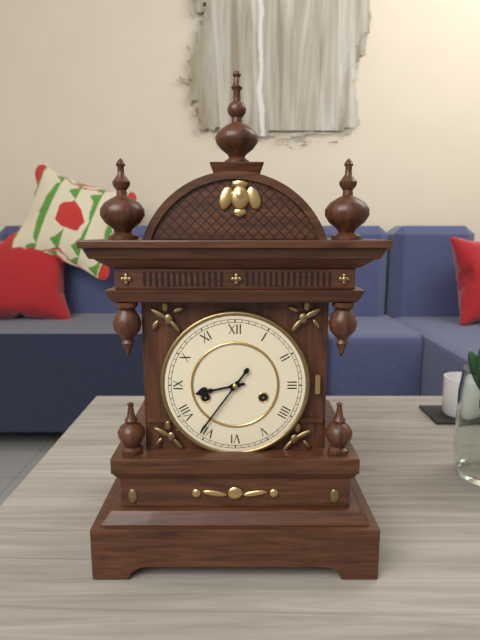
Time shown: {"hour": 8, "minute": 36}
